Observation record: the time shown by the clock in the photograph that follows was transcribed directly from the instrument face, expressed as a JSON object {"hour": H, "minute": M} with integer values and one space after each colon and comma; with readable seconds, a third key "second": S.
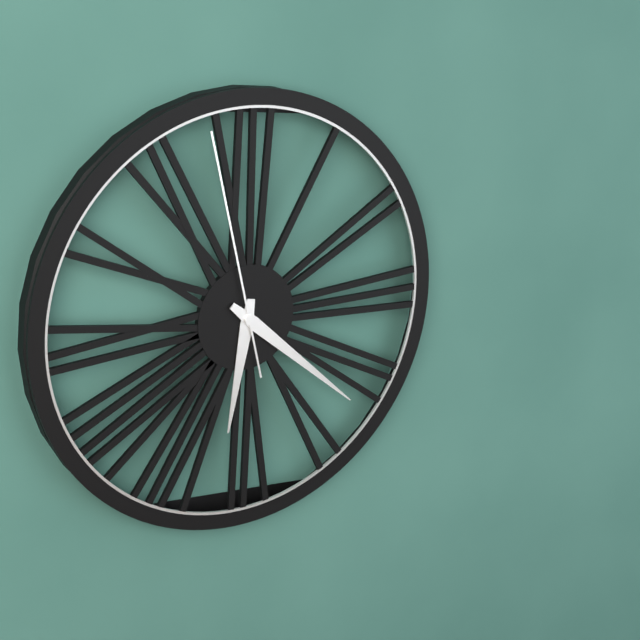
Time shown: {"hour": 6, "minute": 22, "second": 58}
